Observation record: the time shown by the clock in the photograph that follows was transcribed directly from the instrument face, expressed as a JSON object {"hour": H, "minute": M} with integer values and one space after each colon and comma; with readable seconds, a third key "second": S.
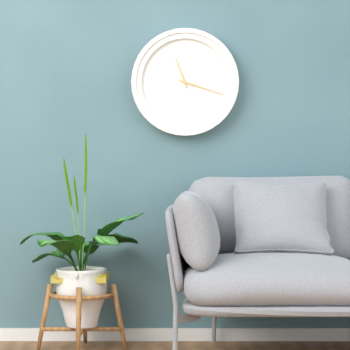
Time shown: {"hour": 11, "minute": 18}
